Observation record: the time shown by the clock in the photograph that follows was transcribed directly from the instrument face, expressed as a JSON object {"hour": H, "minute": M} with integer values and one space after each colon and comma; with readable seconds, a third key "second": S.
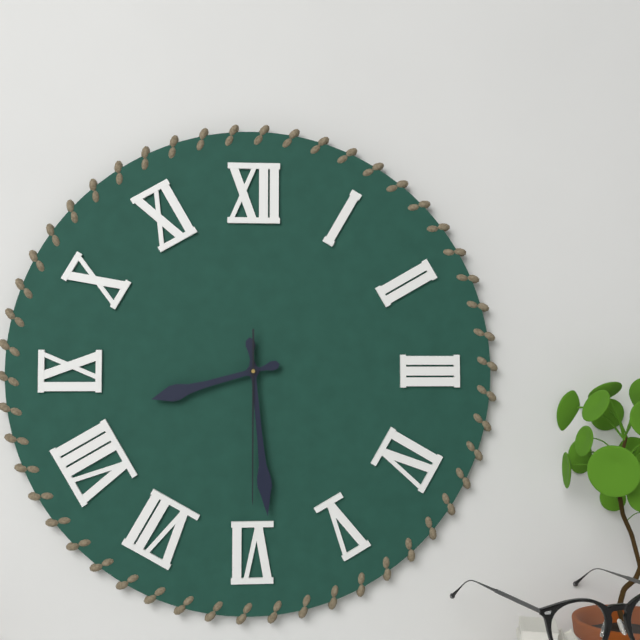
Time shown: {"hour": 8, "minute": 29, "second": 30}
